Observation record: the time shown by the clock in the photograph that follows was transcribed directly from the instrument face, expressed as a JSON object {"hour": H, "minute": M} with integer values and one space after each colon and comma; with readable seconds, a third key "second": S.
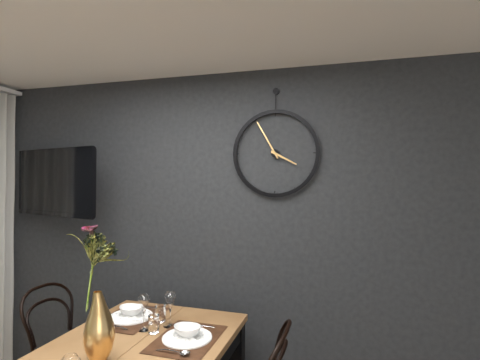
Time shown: {"hour": 3, "minute": 55}
